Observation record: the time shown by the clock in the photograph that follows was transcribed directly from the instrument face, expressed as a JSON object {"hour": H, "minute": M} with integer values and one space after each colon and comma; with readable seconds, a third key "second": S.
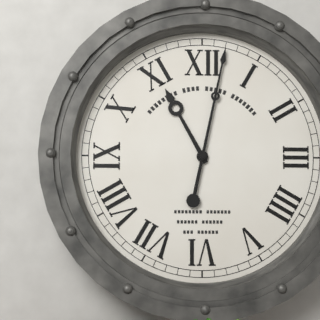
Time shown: {"hour": 11, "minute": 2}
